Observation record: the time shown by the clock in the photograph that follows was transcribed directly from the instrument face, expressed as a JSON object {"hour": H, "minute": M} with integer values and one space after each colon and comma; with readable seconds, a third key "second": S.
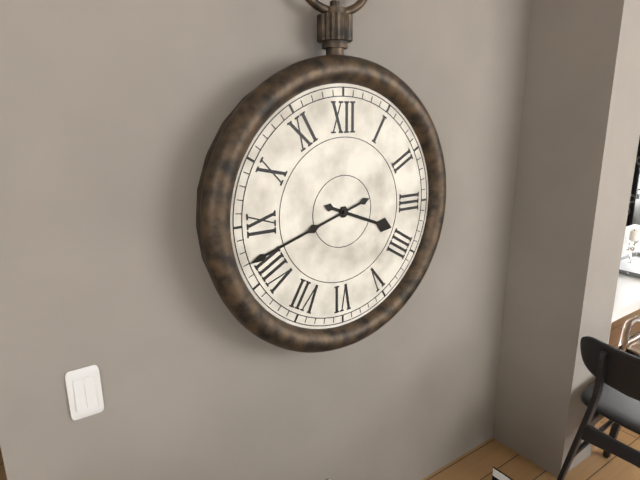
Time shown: {"hour": 3, "minute": 42}
